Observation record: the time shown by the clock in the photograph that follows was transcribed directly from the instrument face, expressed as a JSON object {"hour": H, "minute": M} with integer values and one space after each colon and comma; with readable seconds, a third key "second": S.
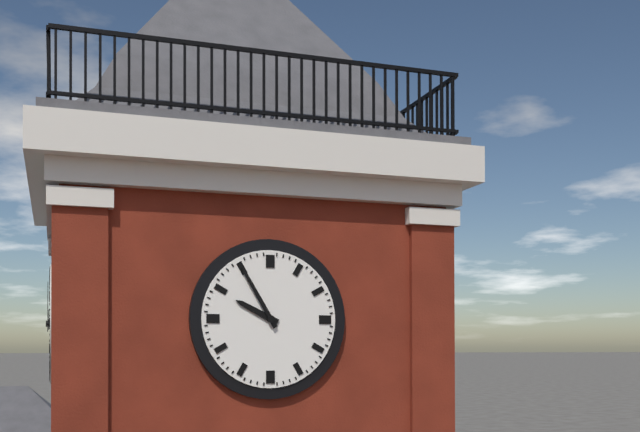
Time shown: {"hour": 9, "minute": 55}
